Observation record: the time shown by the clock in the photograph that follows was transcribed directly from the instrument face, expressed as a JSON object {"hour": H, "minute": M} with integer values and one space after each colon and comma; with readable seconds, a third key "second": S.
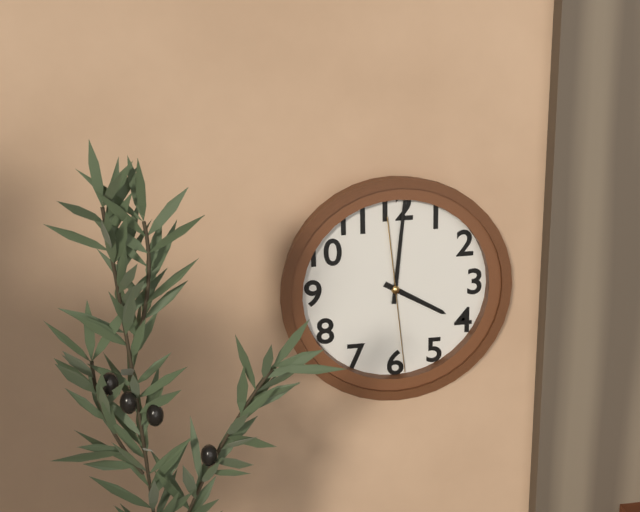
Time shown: {"hour": 4, "minute": 1, "second": 29}
